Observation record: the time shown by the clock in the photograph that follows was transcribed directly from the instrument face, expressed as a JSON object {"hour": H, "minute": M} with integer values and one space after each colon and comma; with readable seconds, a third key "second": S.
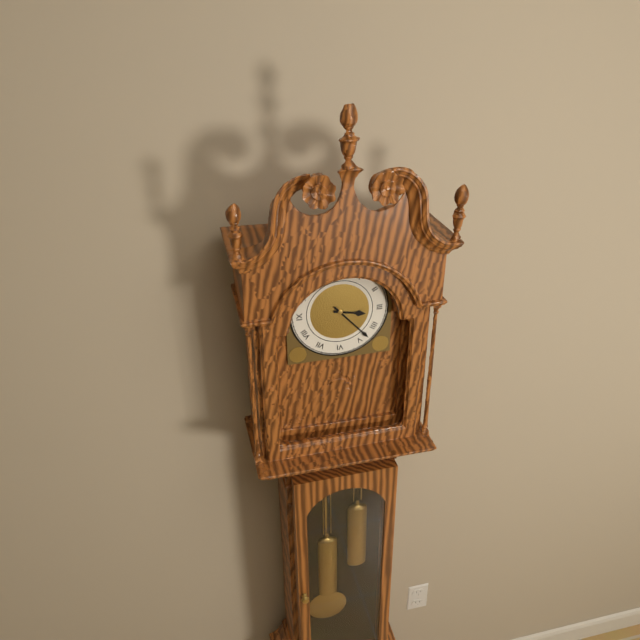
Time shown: {"hour": 3, "minute": 23}
